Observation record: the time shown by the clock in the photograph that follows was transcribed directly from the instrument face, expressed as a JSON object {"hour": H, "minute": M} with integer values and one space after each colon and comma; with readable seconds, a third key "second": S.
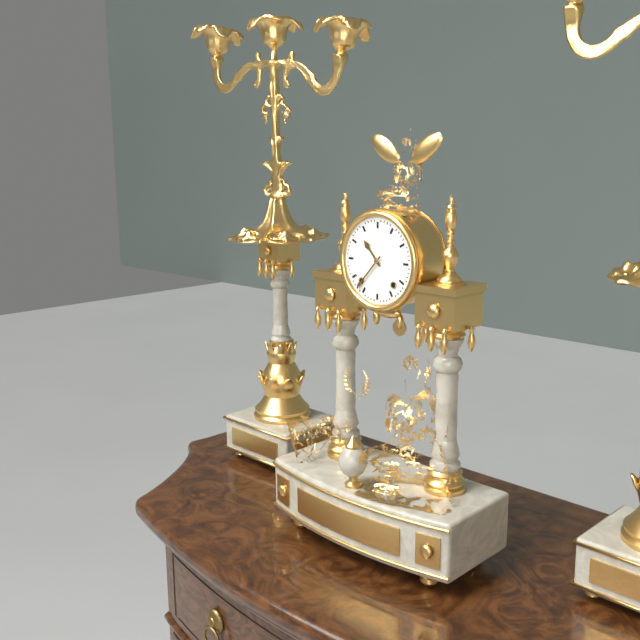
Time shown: {"hour": 10, "minute": 37}
